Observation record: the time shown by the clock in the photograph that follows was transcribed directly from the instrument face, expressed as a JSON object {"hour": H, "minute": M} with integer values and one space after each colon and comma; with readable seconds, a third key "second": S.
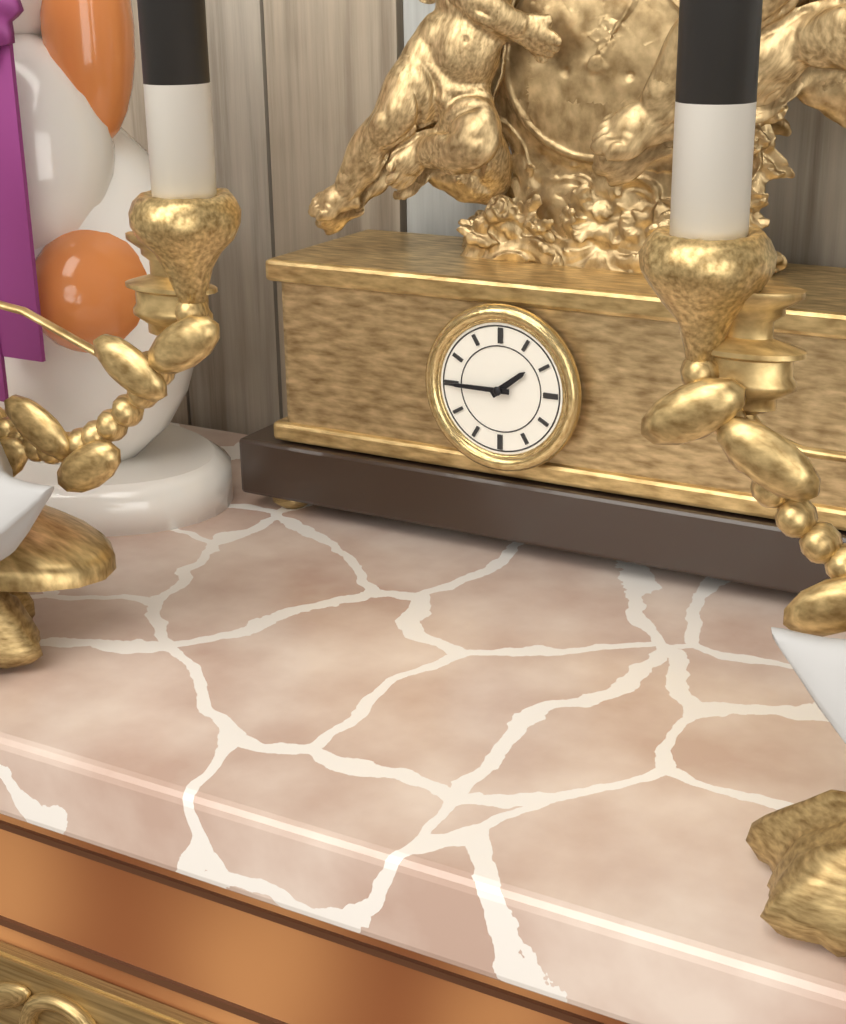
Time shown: {"hour": 1, "minute": 45}
